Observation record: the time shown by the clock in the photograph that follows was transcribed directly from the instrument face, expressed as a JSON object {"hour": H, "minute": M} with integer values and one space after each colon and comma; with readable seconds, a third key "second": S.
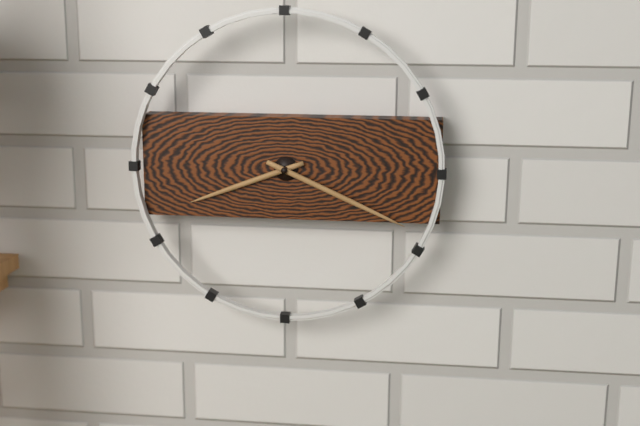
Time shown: {"hour": 8, "minute": 19}
